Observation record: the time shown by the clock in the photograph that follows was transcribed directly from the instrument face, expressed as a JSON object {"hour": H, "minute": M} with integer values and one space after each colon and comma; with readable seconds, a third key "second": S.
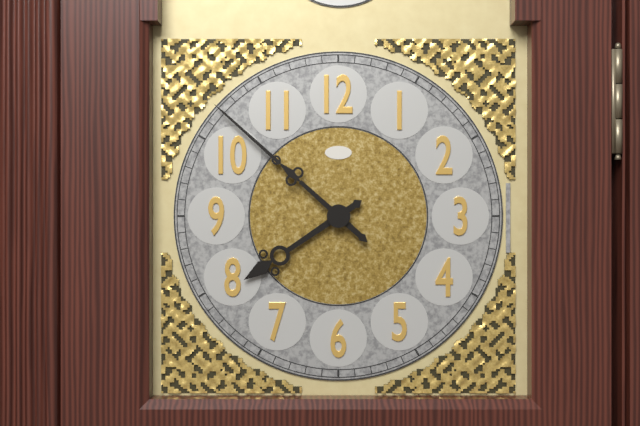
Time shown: {"hour": 7, "minute": 52}
